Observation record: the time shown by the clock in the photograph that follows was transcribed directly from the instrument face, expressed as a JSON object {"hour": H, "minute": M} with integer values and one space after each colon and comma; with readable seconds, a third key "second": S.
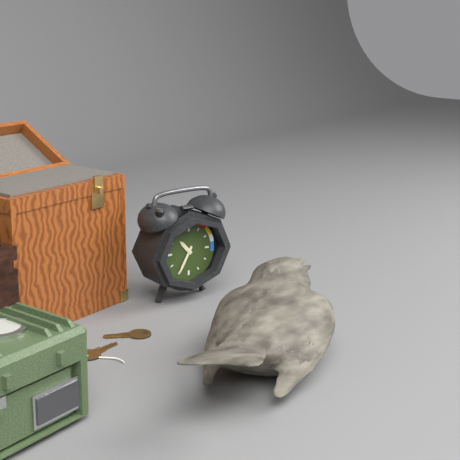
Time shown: {"hour": 10, "minute": 35}
